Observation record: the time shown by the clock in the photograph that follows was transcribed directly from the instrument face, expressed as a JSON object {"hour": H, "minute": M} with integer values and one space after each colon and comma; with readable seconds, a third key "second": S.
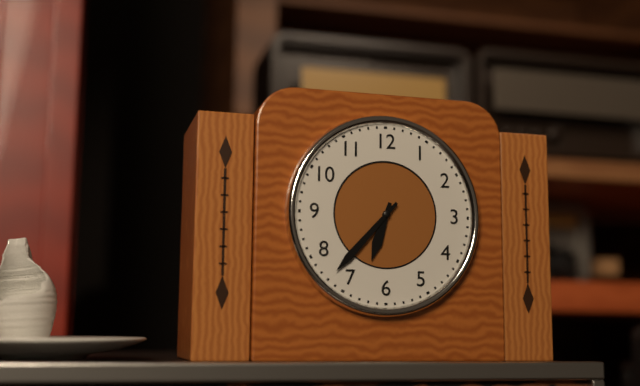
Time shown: {"hour": 6, "minute": 37}
